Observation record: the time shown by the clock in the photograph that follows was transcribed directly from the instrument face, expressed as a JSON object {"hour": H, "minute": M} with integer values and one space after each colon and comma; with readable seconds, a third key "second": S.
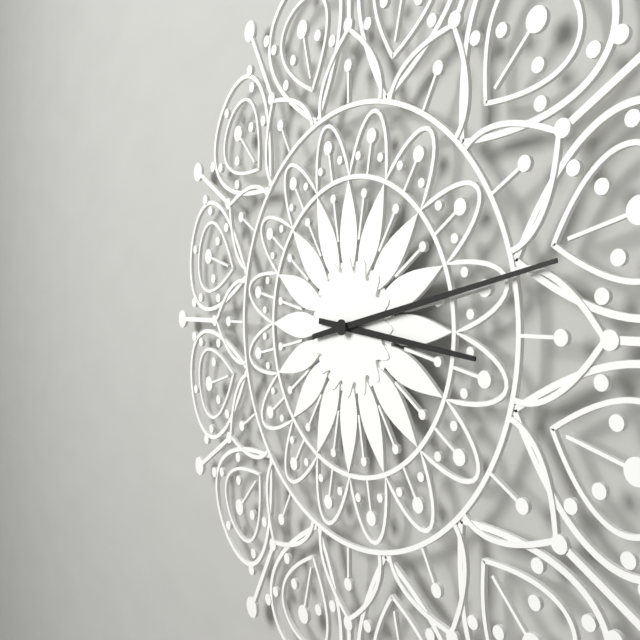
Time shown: {"hour": 3, "minute": 13}
